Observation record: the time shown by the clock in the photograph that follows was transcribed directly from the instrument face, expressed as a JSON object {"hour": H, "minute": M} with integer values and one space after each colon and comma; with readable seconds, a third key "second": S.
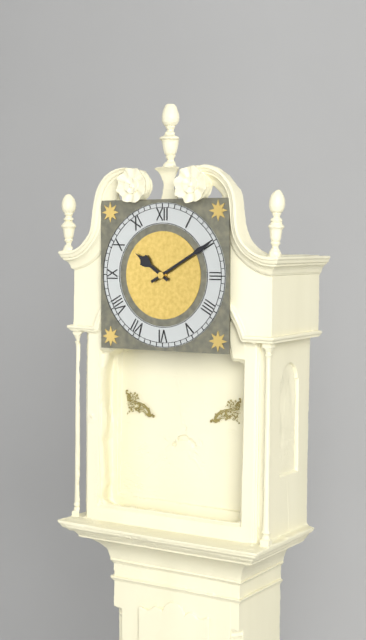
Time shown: {"hour": 10, "minute": 10}
